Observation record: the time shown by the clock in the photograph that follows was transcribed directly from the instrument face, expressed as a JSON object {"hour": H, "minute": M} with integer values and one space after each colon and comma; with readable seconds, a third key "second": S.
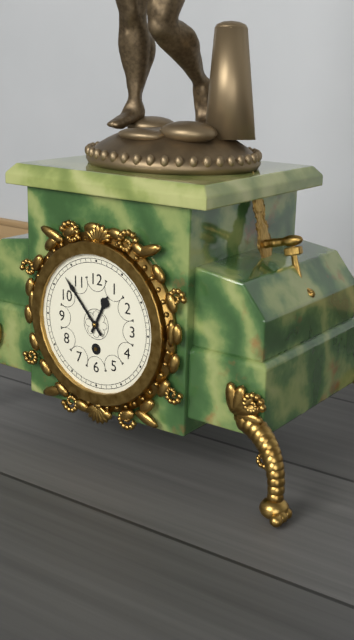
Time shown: {"hour": 12, "minute": 53}
